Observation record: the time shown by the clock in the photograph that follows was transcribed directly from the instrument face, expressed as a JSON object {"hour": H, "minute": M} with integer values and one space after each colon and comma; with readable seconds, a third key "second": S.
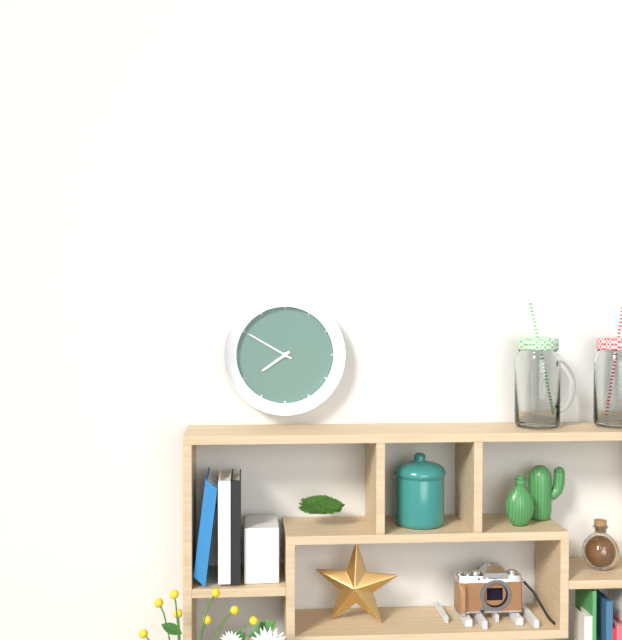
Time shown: {"hour": 7, "minute": 50}
